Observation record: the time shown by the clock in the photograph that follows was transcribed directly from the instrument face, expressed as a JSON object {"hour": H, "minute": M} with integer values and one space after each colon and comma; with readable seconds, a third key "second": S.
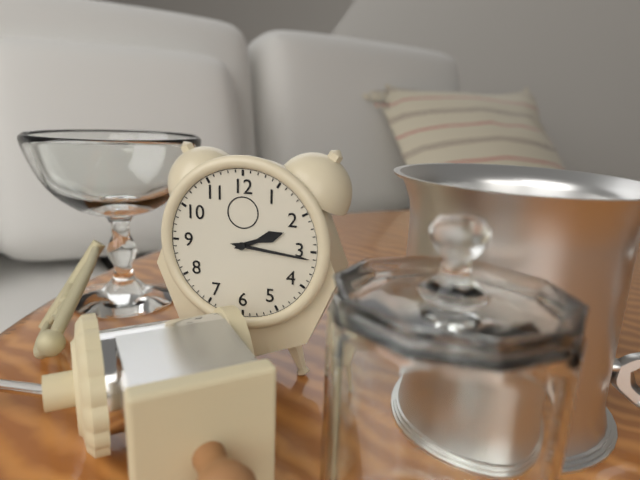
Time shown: {"hour": 2, "minute": 16}
